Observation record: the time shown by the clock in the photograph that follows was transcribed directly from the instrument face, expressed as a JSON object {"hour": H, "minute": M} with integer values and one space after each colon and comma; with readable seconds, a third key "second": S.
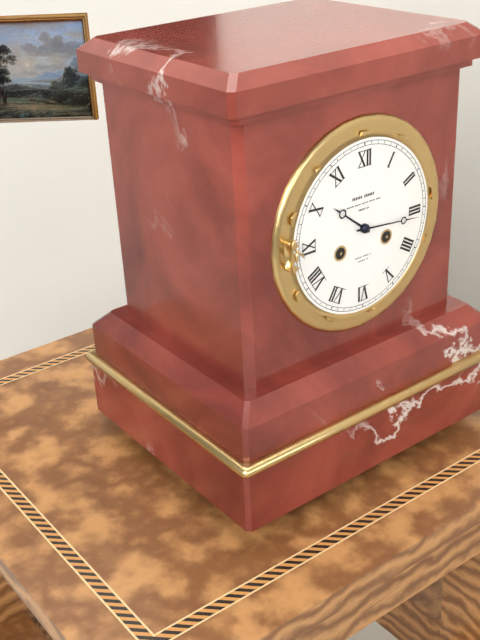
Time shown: {"hour": 10, "minute": 16}
